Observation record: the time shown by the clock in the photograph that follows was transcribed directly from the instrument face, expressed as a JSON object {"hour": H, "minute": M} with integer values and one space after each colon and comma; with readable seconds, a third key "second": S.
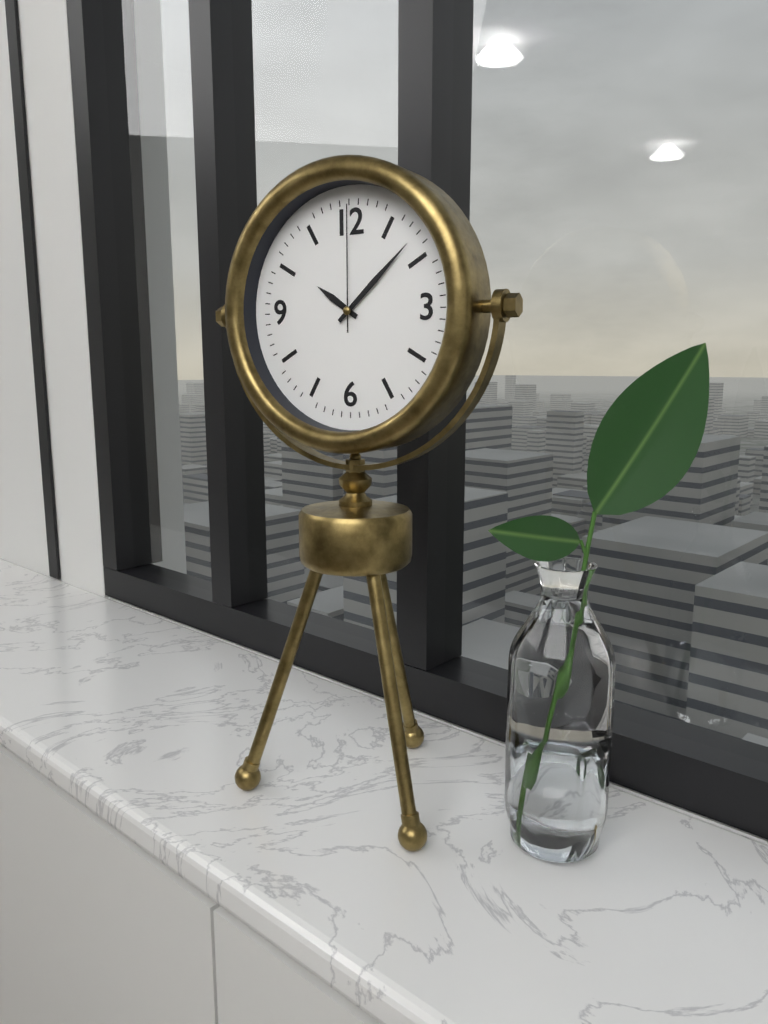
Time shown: {"hour": 10, "minute": 8, "second": 0}
